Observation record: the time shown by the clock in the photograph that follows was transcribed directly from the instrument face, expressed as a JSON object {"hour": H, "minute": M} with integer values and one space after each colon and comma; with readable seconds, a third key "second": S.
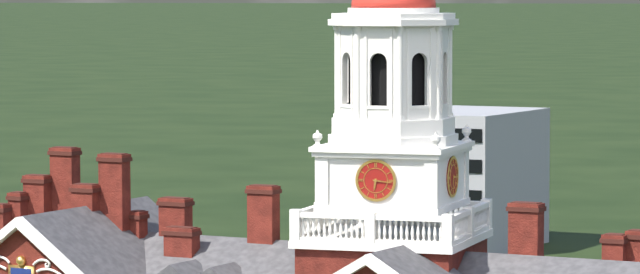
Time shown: {"hour": 6, "minute": 16}
